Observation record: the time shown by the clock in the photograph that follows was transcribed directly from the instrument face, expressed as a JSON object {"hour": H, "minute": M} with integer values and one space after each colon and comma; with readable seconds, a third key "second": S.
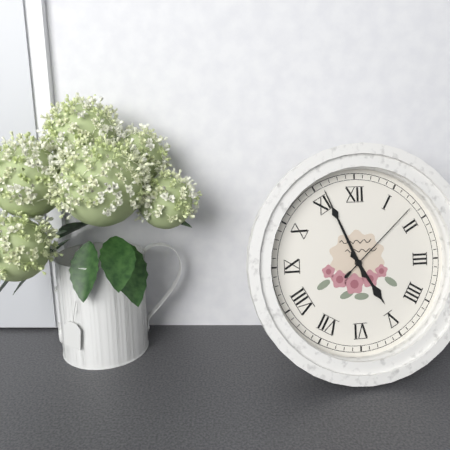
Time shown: {"hour": 4, "minute": 56, "second": 8}
